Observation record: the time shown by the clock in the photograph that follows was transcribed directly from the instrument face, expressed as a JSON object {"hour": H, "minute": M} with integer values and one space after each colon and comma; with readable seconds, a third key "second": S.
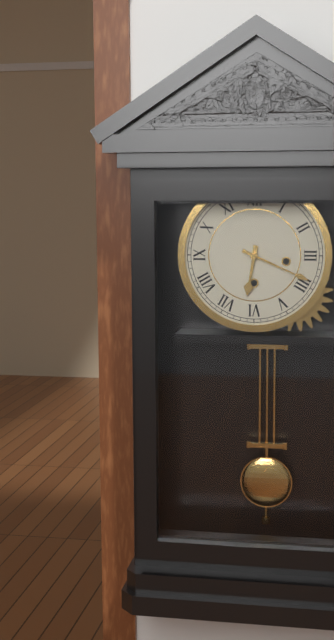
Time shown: {"hour": 6, "minute": 19}
